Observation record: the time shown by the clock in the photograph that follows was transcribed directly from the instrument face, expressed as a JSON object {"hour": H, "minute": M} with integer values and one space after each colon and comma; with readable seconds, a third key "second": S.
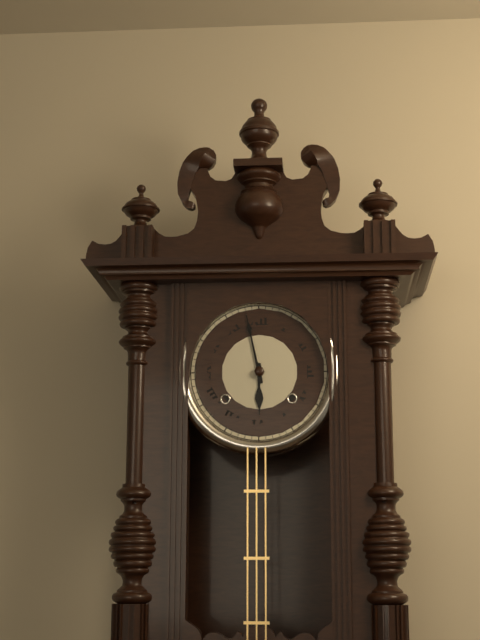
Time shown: {"hour": 5, "minute": 58}
